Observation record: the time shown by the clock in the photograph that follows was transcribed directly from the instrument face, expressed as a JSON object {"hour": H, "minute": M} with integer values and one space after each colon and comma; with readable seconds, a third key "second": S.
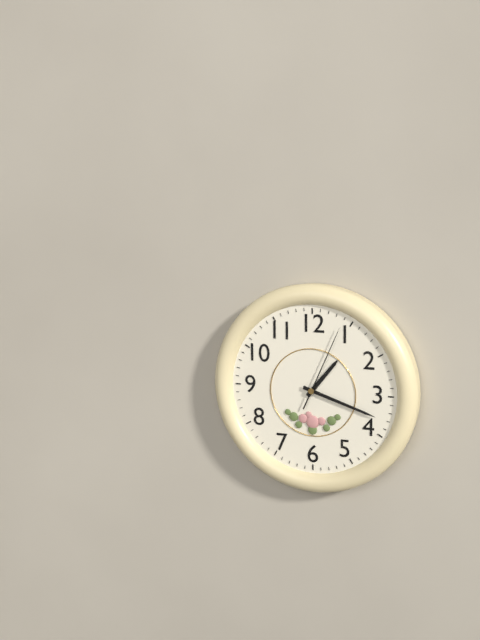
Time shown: {"hour": 1, "minute": 18, "second": 4}
